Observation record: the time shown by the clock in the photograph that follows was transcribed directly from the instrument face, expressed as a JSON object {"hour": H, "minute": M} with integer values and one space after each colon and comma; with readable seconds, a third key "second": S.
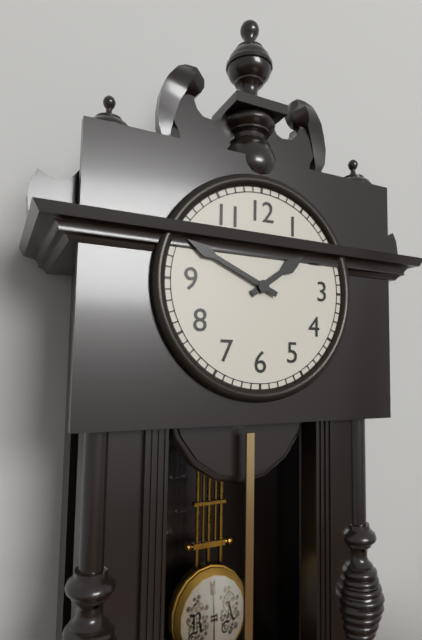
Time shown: {"hour": 1, "minute": 49}
